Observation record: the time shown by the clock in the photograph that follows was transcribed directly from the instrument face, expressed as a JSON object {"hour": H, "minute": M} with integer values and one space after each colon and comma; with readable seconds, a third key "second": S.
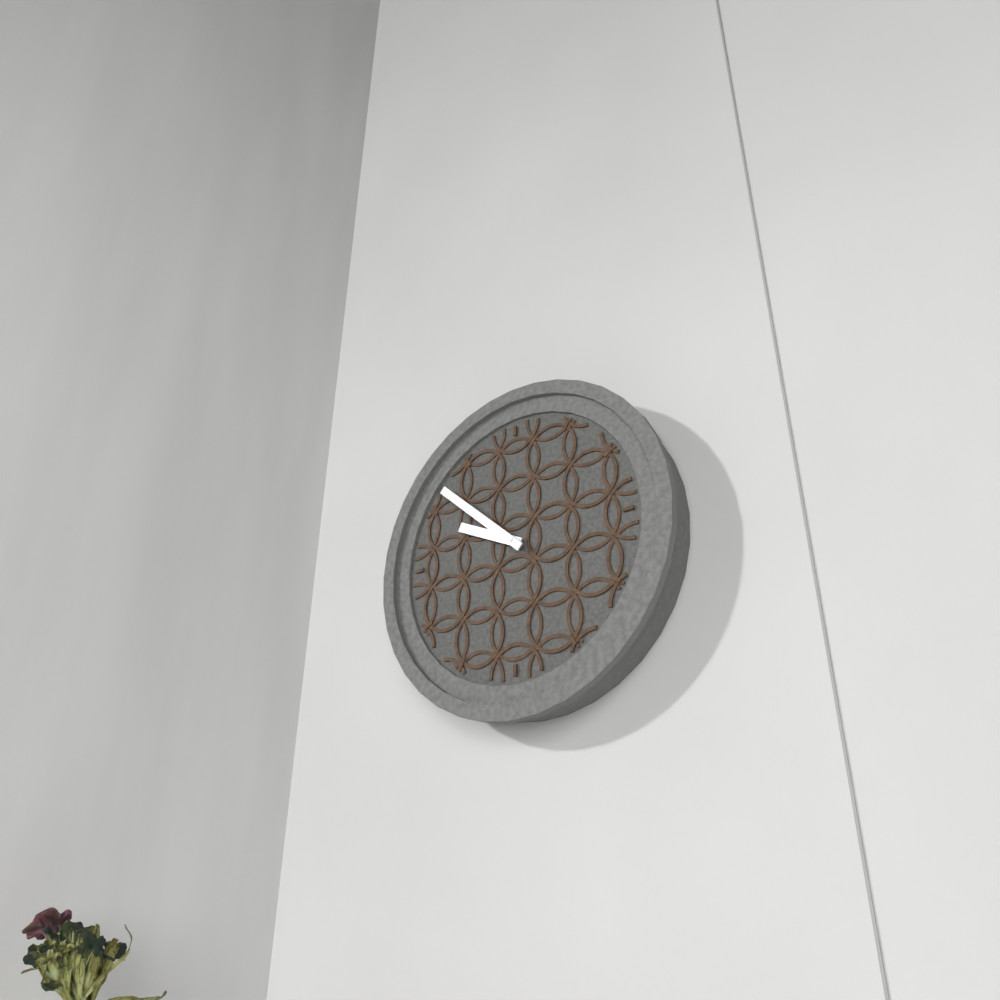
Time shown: {"hour": 9, "minute": 52}
